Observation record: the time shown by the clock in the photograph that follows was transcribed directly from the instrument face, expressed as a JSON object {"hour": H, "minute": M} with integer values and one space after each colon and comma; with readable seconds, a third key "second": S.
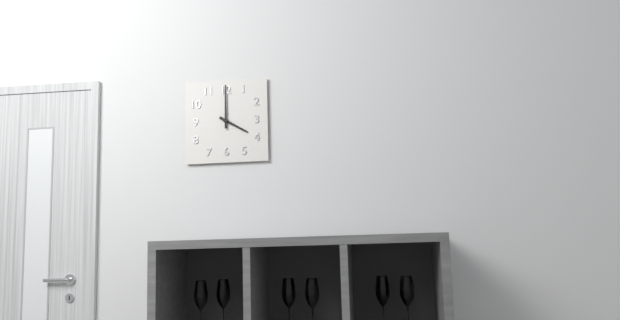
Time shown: {"hour": 4, "minute": 0}
